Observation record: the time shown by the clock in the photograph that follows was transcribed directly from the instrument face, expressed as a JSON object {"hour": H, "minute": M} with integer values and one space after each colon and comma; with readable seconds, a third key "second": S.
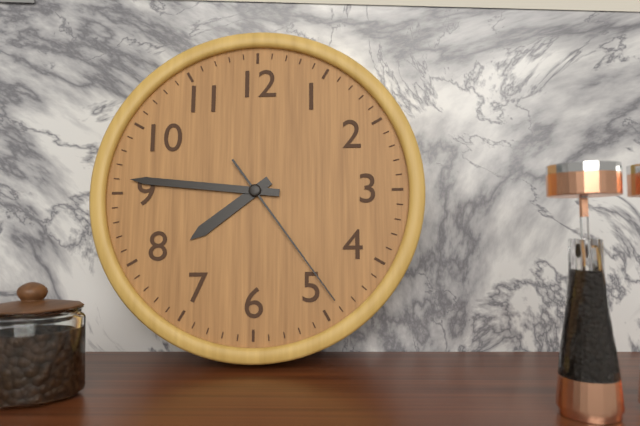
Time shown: {"hour": 7, "minute": 46, "second": 24}
